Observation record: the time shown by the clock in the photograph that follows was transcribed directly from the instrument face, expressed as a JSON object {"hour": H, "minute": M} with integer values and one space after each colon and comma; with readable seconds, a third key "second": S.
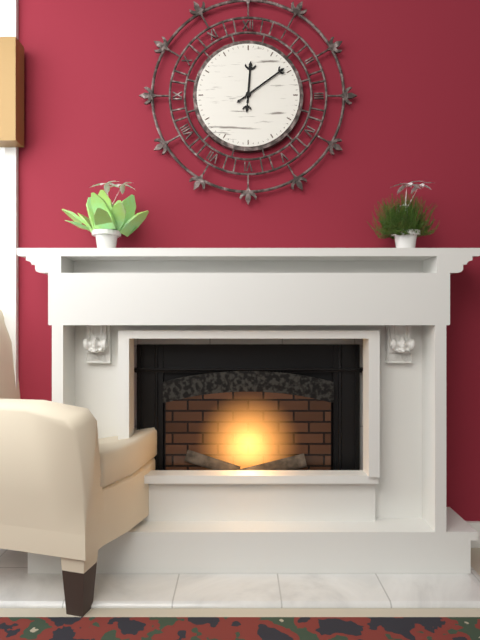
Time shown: {"hour": 12, "minute": 9}
